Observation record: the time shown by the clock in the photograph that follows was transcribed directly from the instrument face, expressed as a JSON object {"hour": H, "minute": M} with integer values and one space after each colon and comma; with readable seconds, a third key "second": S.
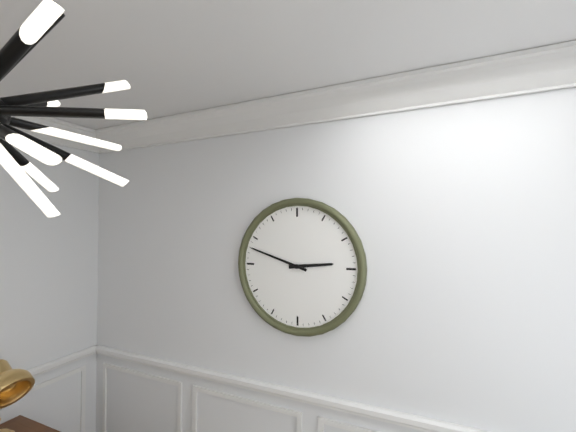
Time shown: {"hour": 2, "minute": 48}
